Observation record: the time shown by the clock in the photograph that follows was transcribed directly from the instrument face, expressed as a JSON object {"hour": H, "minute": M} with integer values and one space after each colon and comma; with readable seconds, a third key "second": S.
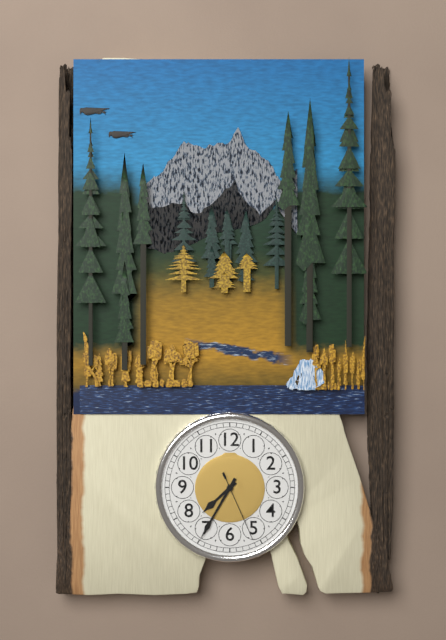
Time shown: {"hour": 7, "minute": 35, "second": 26}
